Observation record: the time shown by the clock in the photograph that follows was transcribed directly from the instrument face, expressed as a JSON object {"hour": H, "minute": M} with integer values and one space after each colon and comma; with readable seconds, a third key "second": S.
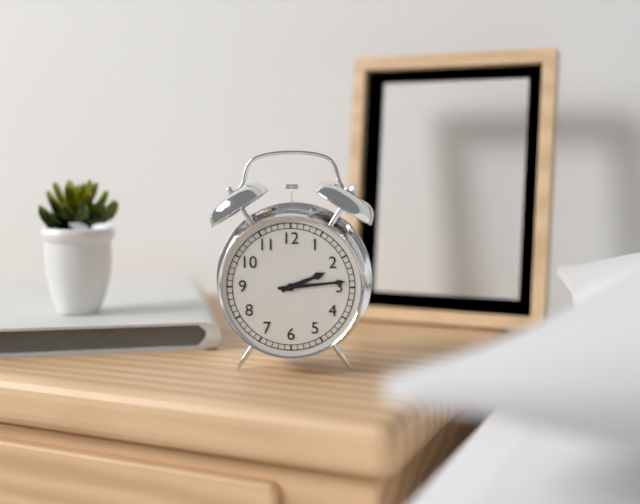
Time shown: {"hour": 2, "minute": 14}
